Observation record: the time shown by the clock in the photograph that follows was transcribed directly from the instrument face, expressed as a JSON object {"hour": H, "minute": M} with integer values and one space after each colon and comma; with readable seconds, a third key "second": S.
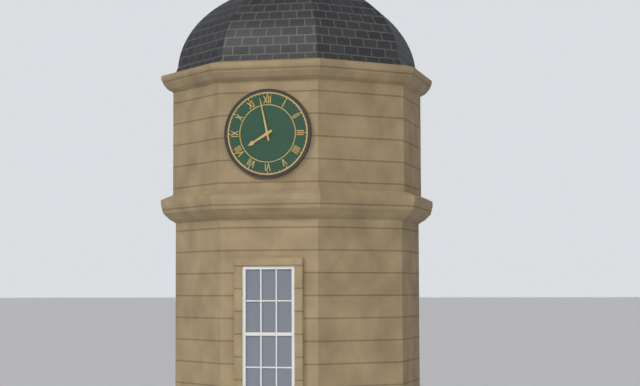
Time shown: {"hour": 7, "minute": 58}
